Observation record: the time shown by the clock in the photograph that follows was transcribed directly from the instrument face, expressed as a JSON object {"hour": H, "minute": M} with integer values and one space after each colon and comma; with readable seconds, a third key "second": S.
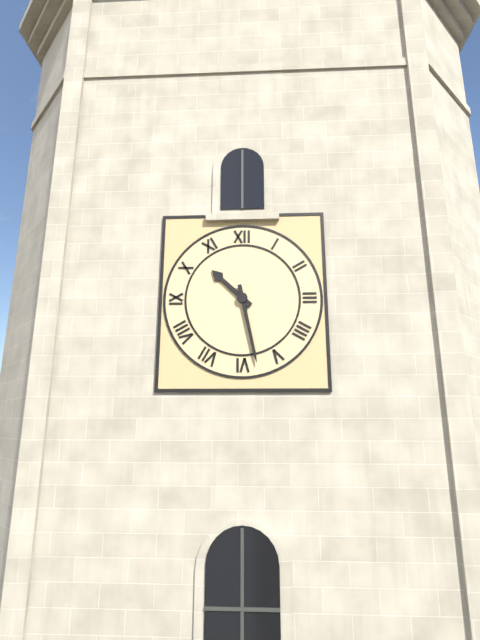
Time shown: {"hour": 10, "minute": 28}
